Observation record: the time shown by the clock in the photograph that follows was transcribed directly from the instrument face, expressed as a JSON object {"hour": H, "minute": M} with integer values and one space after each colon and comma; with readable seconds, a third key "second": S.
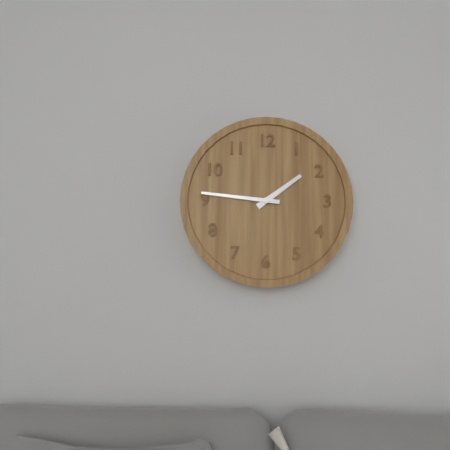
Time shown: {"hour": 1, "minute": 46}
